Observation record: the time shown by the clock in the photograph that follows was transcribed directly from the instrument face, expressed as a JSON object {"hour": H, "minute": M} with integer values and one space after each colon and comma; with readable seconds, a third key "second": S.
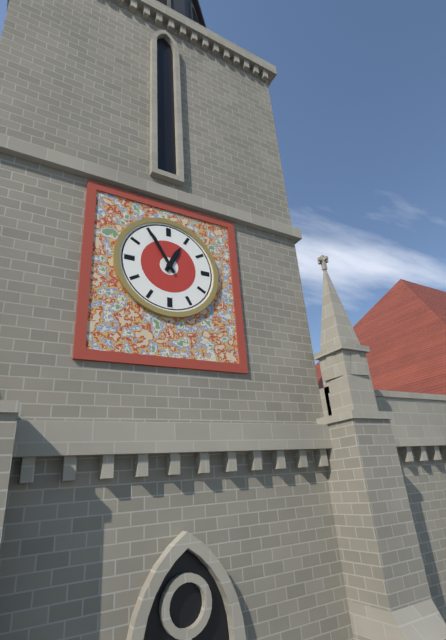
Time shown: {"hour": 12, "minute": 55}
